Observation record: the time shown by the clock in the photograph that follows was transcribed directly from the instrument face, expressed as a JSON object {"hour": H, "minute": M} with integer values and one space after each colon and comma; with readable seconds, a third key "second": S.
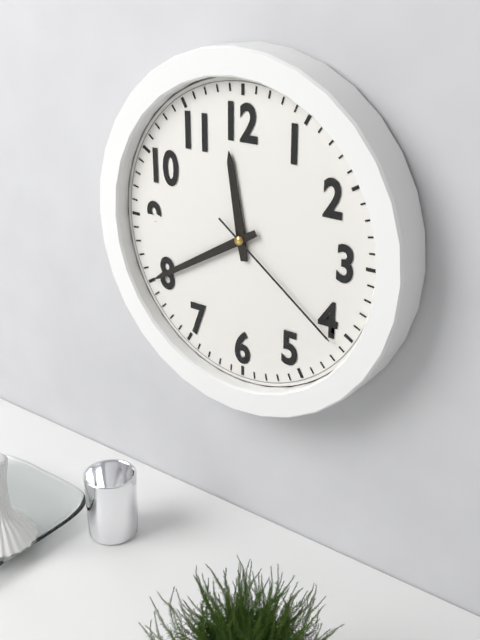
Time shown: {"hour": 11, "minute": 40, "second": 21}
